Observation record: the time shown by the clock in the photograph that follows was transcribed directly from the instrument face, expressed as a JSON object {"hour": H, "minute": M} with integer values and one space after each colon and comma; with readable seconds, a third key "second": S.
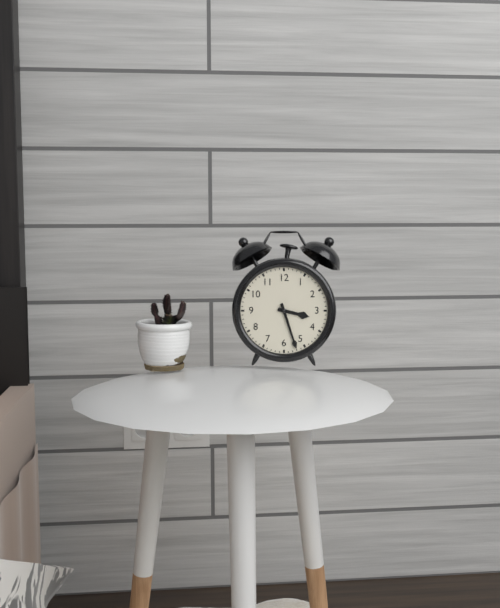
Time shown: {"hour": 3, "minute": 27}
